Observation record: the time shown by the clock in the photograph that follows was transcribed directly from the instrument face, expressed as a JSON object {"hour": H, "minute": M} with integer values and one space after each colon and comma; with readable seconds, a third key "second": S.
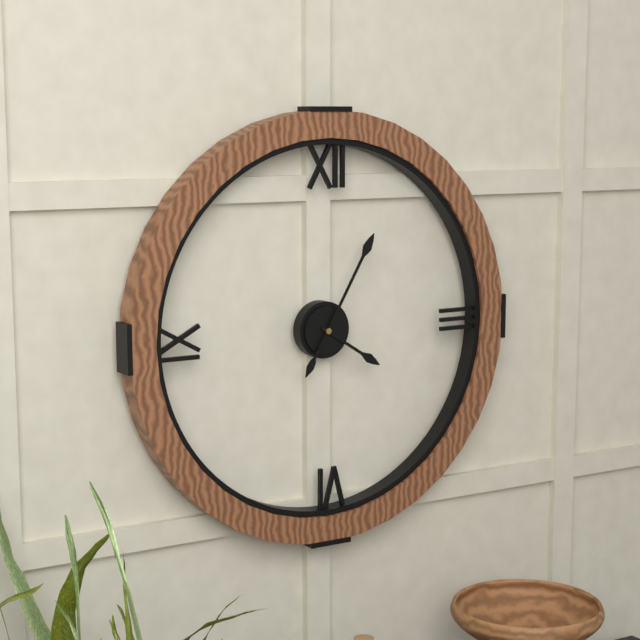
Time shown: {"hour": 4, "minute": 5}
